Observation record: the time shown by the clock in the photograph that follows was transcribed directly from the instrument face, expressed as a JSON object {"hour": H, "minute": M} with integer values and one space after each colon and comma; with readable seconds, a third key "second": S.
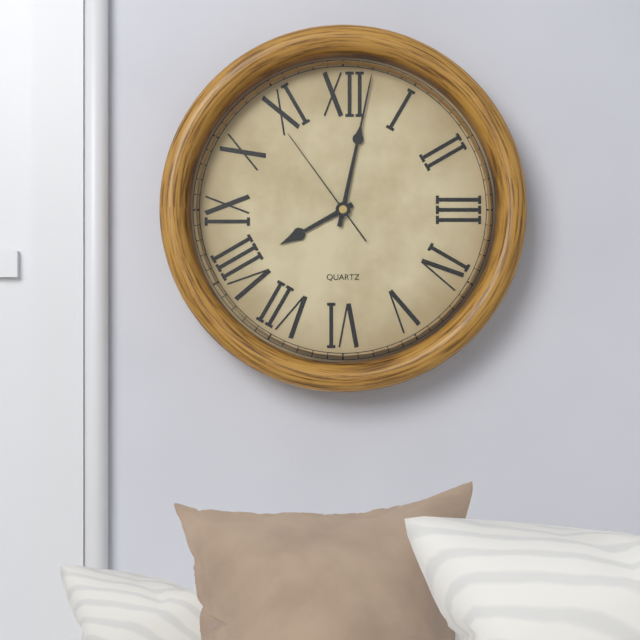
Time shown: {"hour": 8, "minute": 2, "second": 54}
